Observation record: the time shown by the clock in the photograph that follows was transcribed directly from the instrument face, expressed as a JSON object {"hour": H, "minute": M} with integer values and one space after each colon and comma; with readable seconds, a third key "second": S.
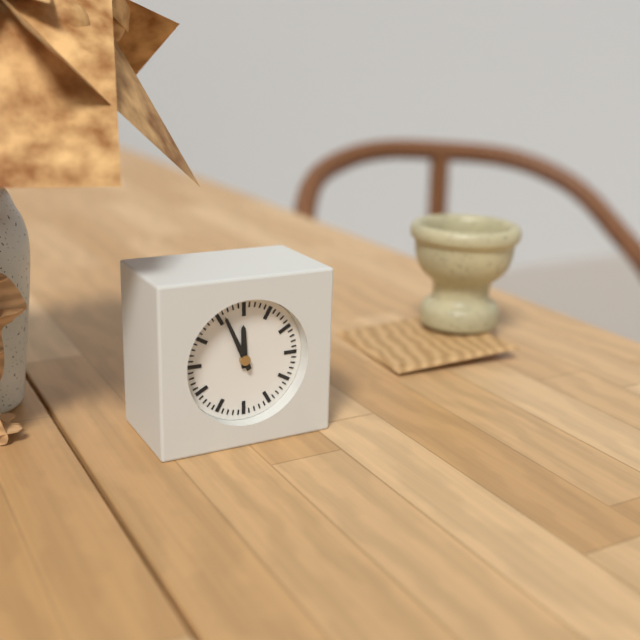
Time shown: {"hour": 11, "minute": 56}
